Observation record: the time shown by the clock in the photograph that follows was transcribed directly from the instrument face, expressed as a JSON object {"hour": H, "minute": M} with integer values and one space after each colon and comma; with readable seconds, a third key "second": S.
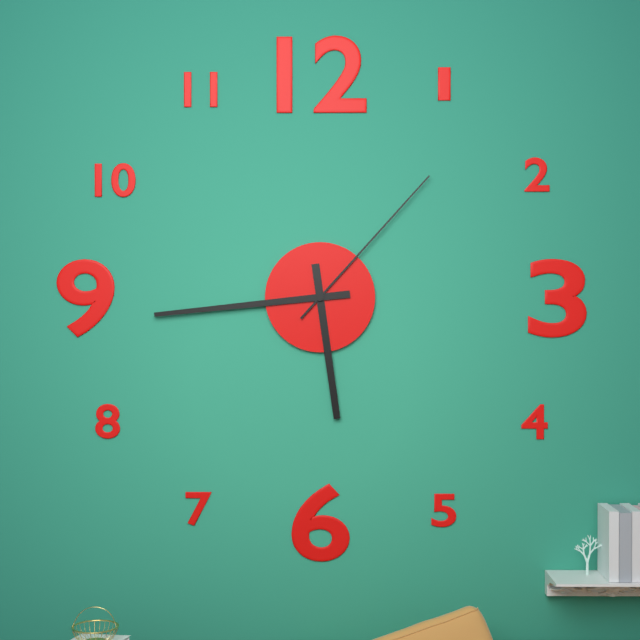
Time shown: {"hour": 5, "minute": 44, "second": 7}
